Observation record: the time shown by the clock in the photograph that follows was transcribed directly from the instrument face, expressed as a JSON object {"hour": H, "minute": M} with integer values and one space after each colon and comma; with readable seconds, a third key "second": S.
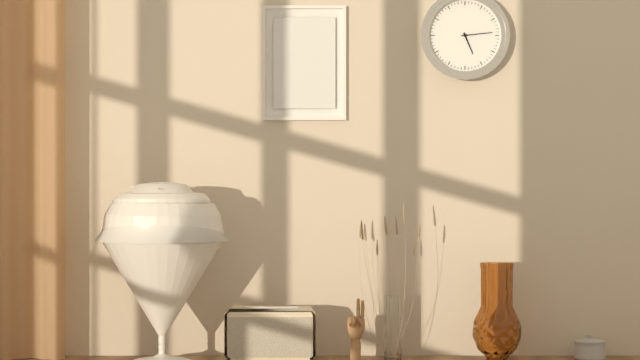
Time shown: {"hour": 5, "minute": 14}
